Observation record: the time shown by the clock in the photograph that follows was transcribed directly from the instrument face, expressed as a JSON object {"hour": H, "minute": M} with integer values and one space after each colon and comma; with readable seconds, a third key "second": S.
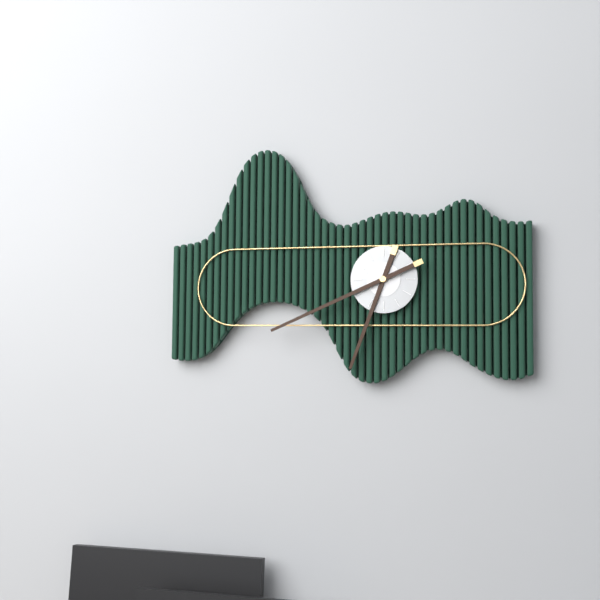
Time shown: {"hour": 6, "minute": 41}
